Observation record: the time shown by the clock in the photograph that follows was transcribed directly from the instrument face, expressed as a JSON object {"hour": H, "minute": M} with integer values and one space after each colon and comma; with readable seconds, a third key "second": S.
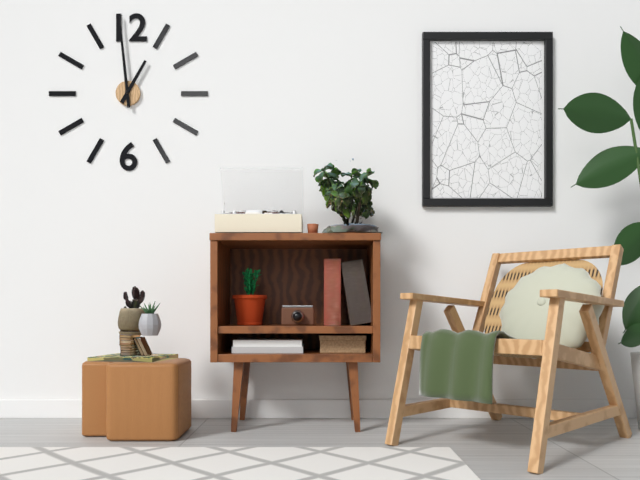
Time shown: {"hour": 12, "minute": 59}
